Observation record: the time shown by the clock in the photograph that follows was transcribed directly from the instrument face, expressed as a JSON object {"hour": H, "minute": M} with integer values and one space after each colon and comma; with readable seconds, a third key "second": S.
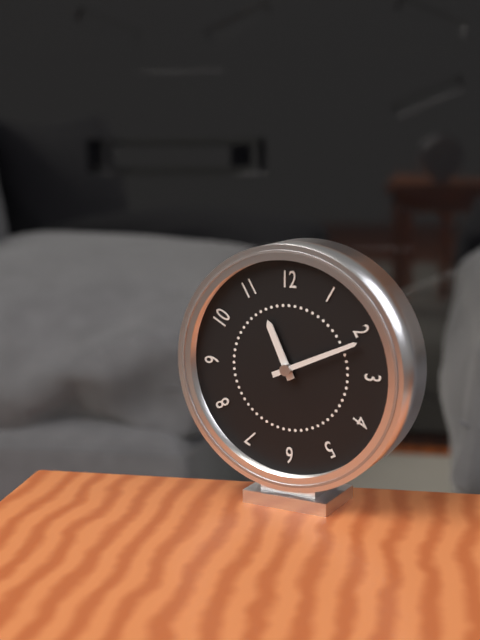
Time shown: {"hour": 11, "minute": 11}
